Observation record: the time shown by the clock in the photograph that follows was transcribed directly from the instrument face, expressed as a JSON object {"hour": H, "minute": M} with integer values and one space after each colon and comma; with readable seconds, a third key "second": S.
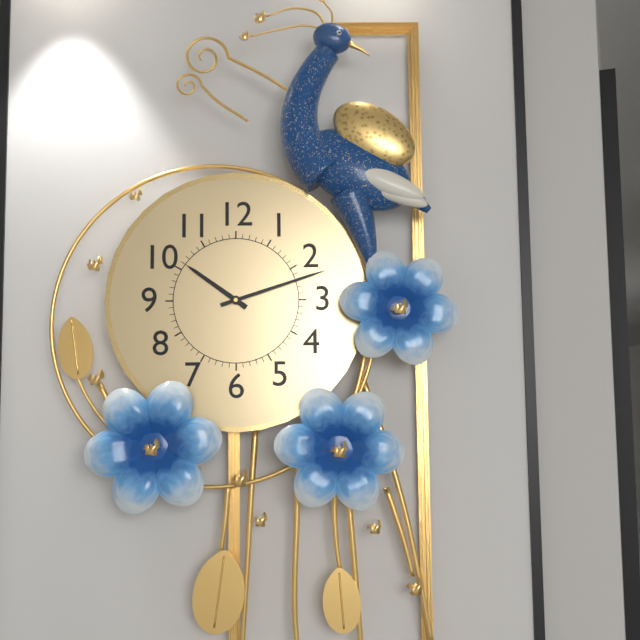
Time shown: {"hour": 10, "minute": 12}
